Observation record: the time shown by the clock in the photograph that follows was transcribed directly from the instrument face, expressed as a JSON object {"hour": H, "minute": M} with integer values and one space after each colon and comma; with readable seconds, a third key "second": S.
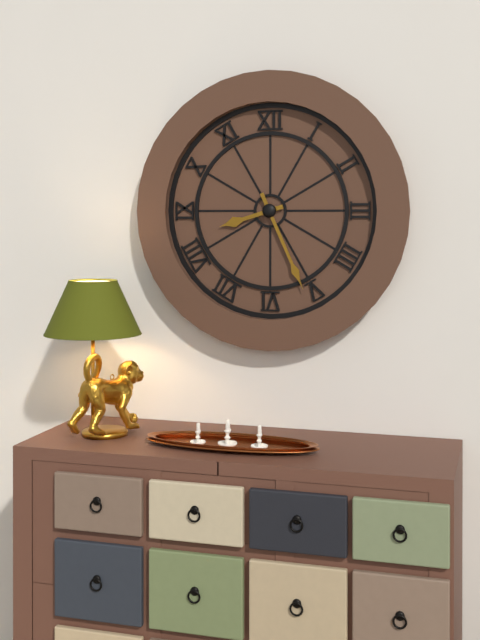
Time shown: {"hour": 8, "minute": 26}
